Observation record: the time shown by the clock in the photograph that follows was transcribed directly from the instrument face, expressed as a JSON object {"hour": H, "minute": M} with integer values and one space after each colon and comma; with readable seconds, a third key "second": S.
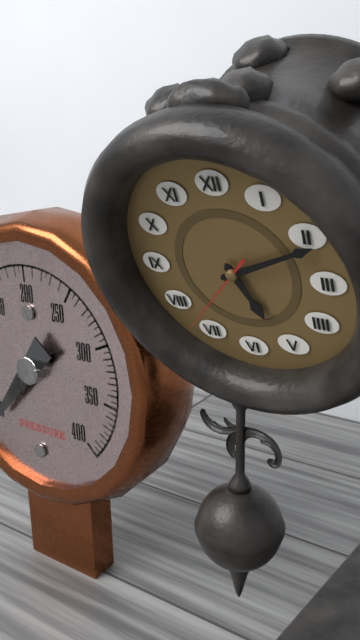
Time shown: {"hour": 5, "minute": 11, "second": 37}
